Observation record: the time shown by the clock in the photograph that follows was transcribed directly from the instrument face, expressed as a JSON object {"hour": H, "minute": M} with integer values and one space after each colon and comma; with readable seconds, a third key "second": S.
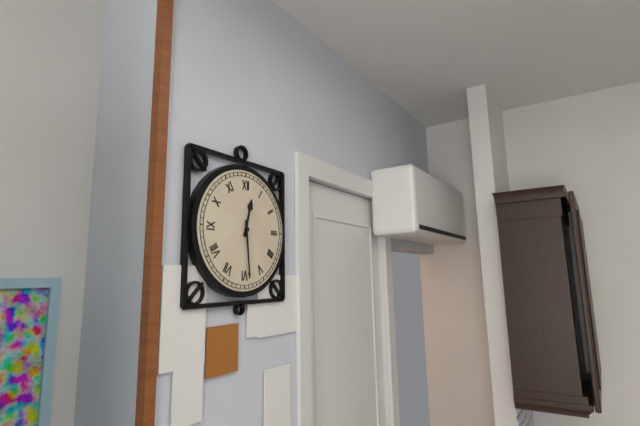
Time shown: {"hour": 12, "minute": 29}
